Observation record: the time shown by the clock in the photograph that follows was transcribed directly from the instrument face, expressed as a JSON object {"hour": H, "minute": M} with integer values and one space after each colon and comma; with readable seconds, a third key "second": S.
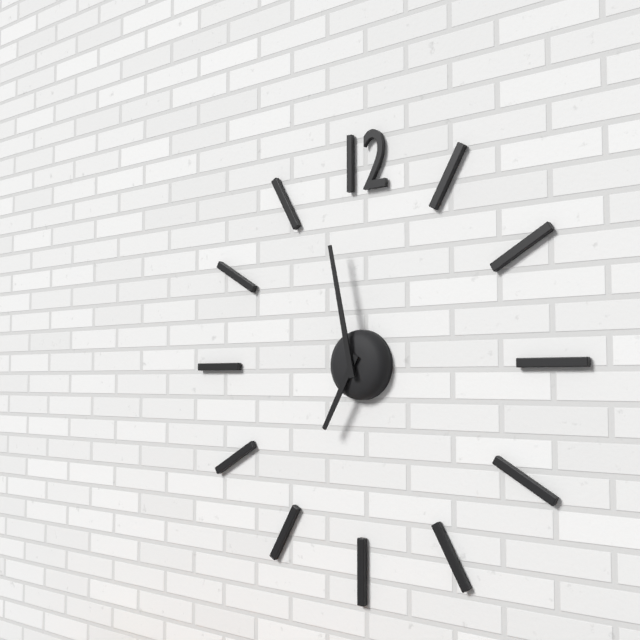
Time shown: {"hour": 6, "minute": 58}
